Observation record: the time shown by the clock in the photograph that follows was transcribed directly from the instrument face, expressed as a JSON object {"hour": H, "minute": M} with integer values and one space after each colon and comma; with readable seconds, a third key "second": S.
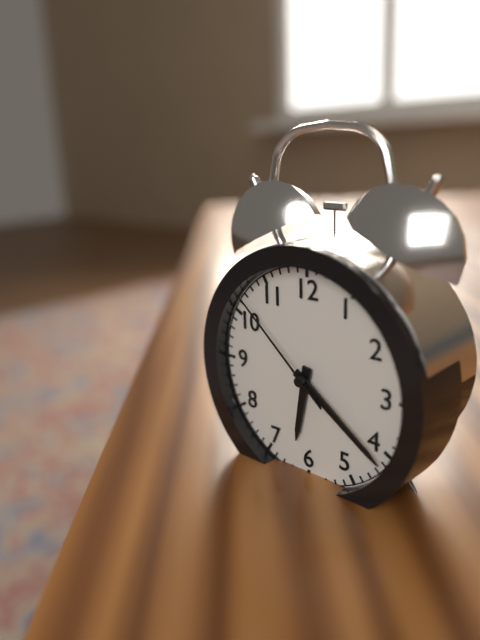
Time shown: {"hour": 6, "minute": 21, "second": 52}
